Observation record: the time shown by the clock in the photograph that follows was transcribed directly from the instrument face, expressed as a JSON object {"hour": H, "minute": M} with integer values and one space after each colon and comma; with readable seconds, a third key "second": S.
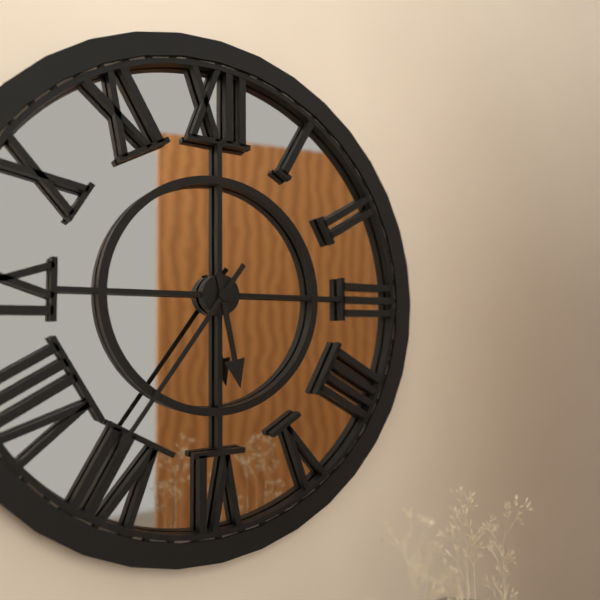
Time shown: {"hour": 5, "minute": 36}
